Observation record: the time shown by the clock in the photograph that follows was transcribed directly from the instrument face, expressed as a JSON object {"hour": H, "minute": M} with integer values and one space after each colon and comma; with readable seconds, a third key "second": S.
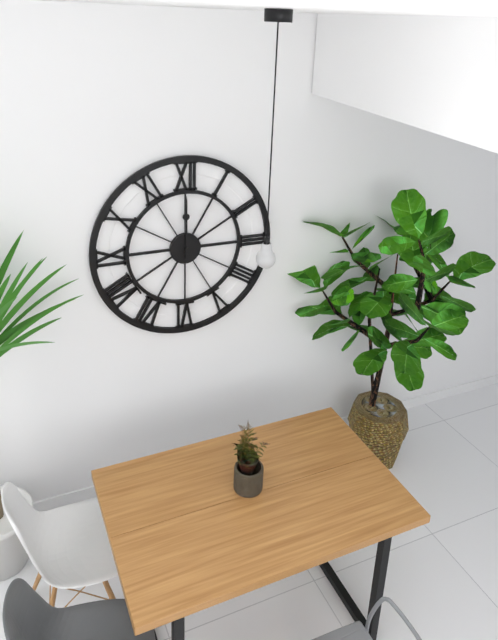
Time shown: {"hour": 12, "minute": 0}
